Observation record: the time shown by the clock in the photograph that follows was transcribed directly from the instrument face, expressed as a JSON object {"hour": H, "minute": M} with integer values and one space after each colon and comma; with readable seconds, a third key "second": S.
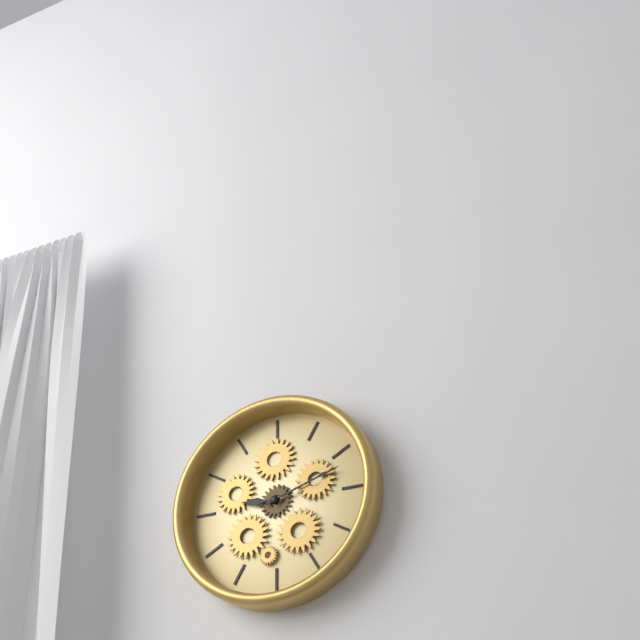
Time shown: {"hour": 9, "minute": 12}
